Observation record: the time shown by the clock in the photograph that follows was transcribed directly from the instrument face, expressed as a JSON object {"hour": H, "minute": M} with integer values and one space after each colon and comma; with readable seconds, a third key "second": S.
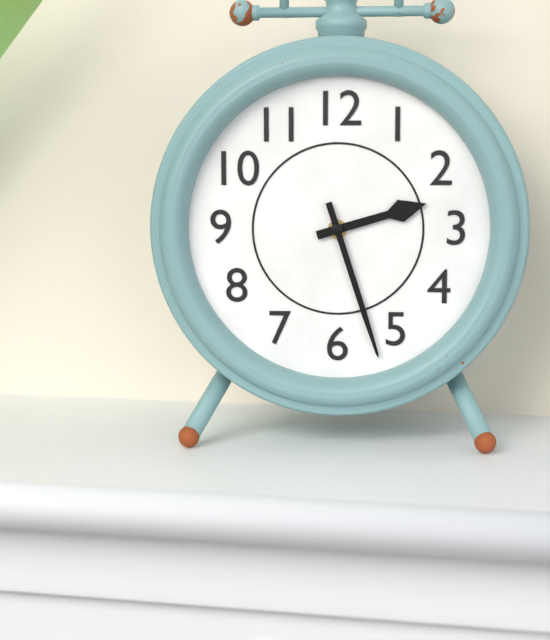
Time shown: {"hour": 2, "minute": 27}
